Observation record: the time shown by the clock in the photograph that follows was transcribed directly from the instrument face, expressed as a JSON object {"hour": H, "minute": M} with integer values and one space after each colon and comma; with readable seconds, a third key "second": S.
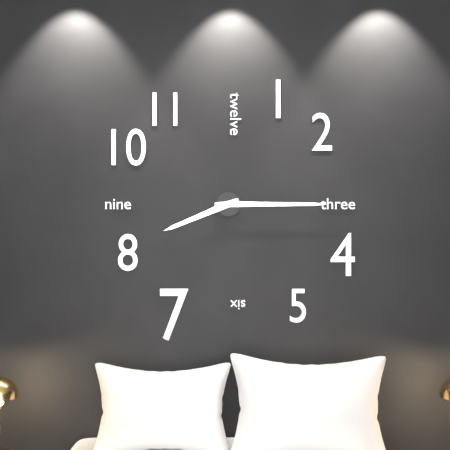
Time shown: {"hour": 8, "minute": 15}
